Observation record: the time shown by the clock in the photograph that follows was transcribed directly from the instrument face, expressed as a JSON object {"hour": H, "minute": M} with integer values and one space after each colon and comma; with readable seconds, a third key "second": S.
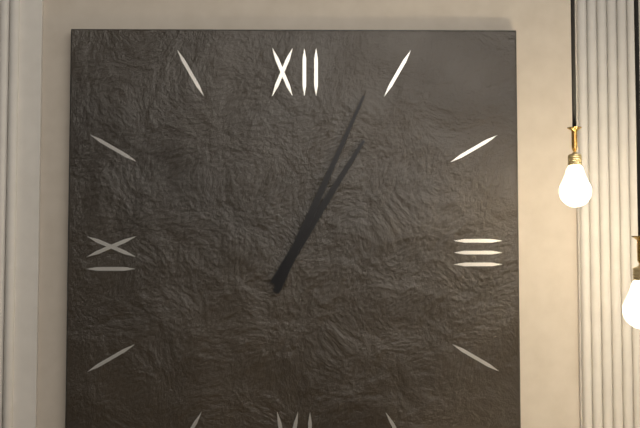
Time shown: {"hour": 1, "minute": 4}
